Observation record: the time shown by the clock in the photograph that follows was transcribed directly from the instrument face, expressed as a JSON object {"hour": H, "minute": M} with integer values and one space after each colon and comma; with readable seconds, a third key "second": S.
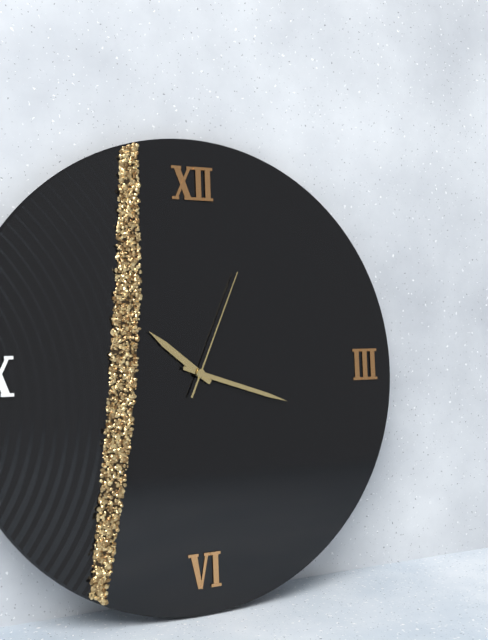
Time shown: {"hour": 10, "minute": 18, "second": 4}
